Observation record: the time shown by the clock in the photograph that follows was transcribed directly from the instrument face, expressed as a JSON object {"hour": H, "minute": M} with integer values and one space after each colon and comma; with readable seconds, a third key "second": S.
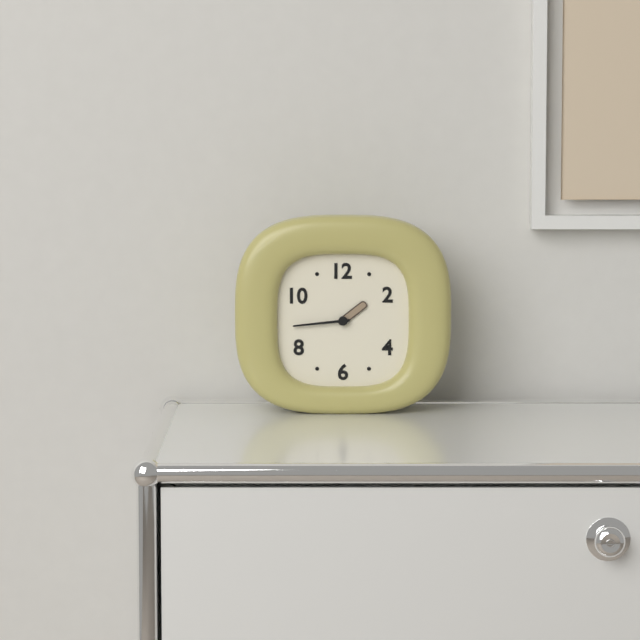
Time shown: {"hour": 1, "minute": 44}
